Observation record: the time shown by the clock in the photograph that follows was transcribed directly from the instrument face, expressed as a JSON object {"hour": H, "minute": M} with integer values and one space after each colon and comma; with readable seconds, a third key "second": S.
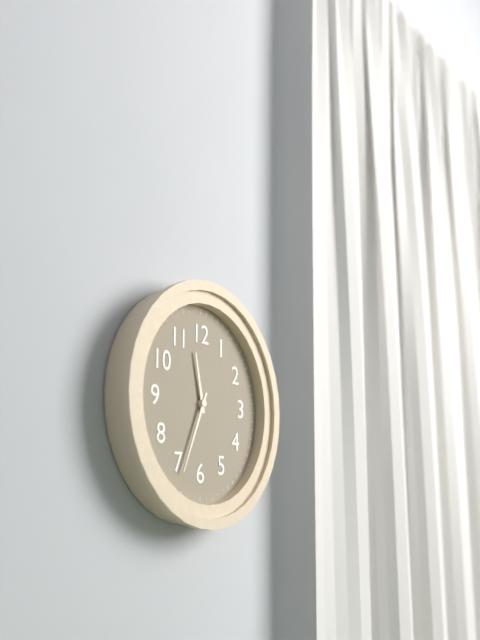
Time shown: {"hour": 11, "minute": 34}
